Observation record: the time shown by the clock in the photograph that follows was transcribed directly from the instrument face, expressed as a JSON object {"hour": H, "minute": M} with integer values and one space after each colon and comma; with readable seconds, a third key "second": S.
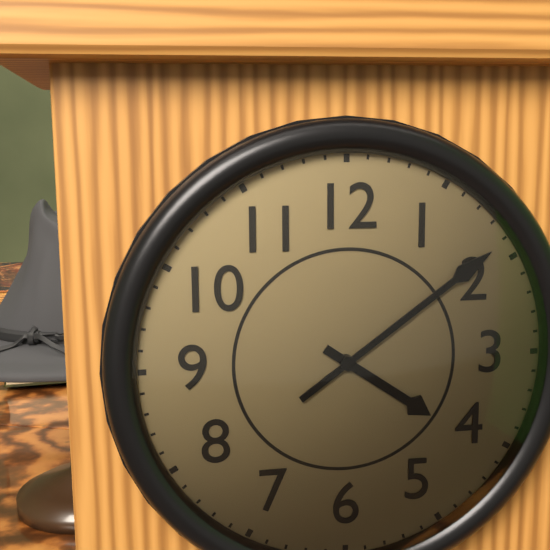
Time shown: {"hour": 4, "minute": 9}
